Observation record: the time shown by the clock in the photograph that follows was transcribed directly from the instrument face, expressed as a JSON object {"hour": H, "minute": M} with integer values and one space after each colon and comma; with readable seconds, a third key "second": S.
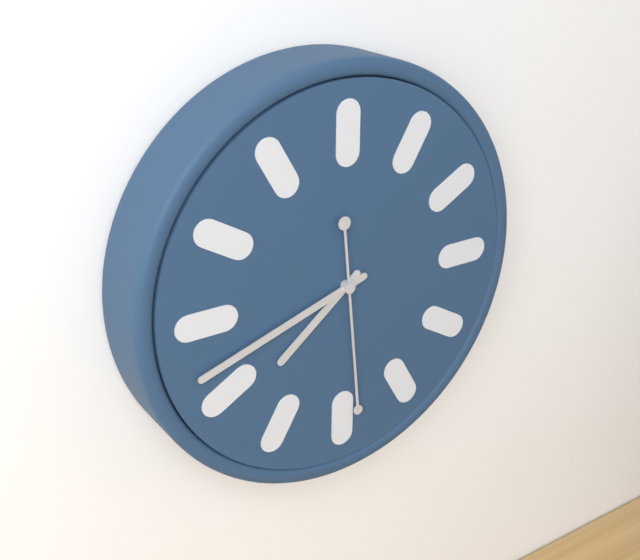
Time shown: {"hour": 7, "minute": 42, "second": 29}
